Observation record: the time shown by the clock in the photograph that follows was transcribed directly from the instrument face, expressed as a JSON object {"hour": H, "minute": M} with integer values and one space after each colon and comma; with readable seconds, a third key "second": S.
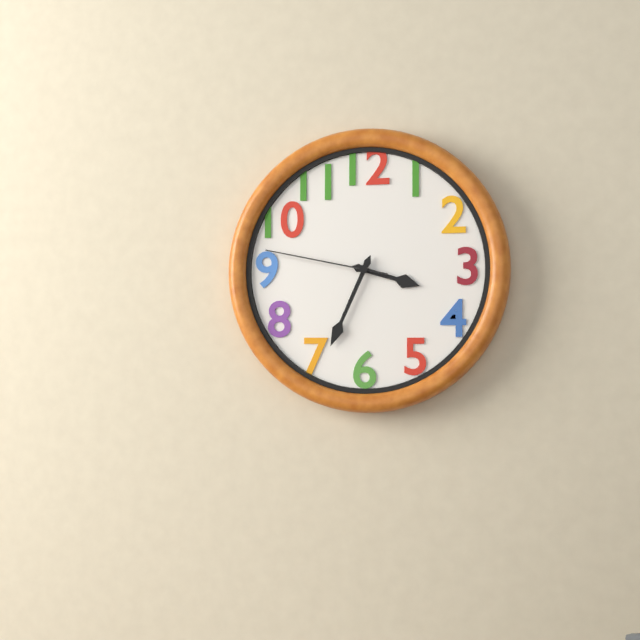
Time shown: {"hour": 3, "minute": 34, "second": 47}
